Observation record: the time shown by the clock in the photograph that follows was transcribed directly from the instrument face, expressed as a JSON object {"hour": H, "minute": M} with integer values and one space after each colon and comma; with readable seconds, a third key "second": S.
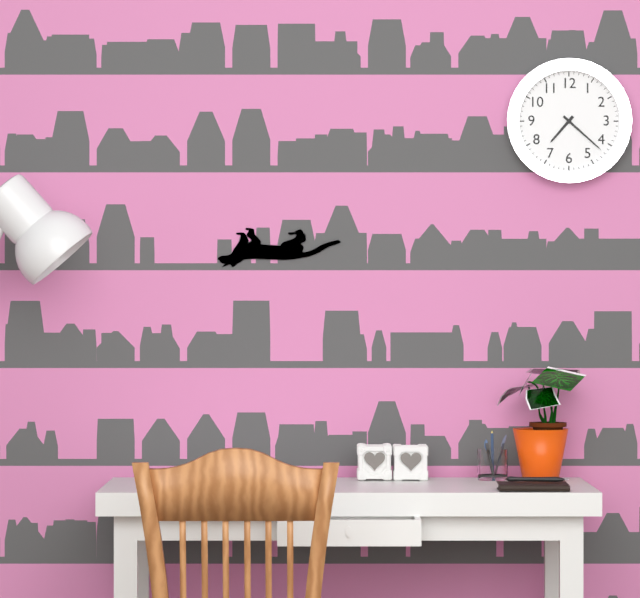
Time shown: {"hour": 7, "minute": 22}
